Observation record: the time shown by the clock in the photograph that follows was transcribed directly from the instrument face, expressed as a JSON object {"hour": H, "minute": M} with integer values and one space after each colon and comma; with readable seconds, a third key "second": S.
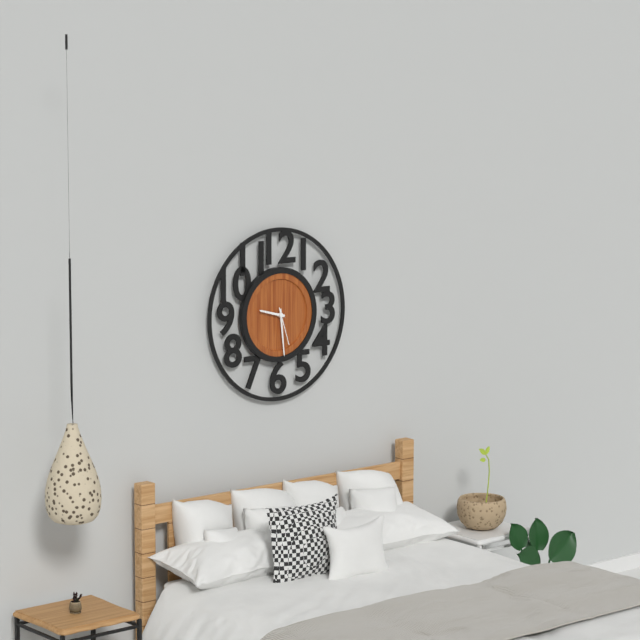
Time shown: {"hour": 9, "minute": 29}
